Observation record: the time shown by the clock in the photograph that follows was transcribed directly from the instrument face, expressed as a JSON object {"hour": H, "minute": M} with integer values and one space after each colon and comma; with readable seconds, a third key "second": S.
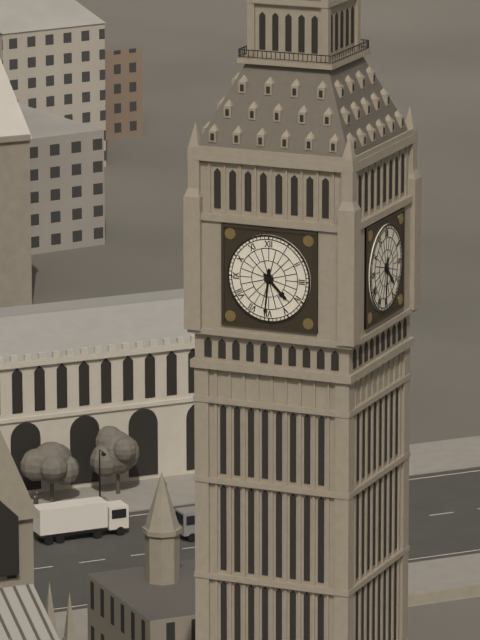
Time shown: {"hour": 4, "minute": 31}
